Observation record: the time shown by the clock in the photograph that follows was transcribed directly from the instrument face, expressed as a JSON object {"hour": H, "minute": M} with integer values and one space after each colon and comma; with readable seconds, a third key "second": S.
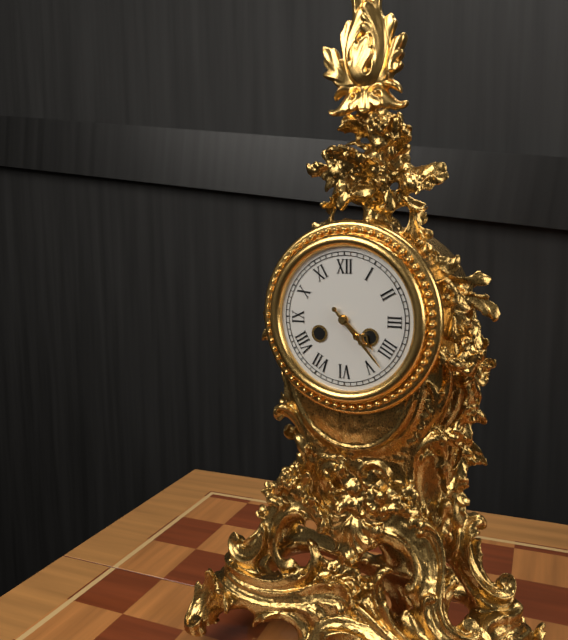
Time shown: {"hour": 4, "minute": 23}
